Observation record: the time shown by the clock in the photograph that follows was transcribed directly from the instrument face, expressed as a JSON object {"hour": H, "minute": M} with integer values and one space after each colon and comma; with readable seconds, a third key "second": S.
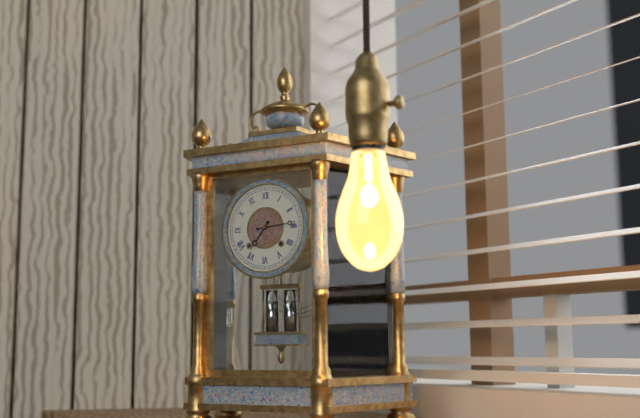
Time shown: {"hour": 7, "minute": 14}
